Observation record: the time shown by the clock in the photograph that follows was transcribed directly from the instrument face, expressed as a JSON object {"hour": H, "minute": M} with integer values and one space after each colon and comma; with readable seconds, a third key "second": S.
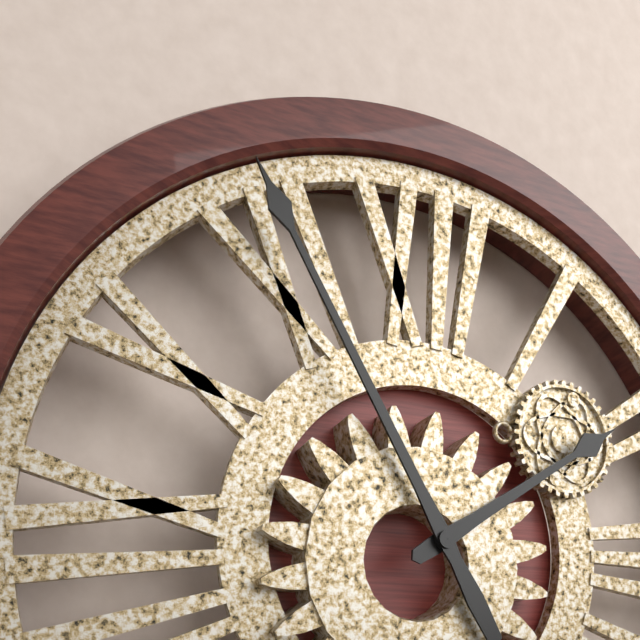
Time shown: {"hour": 1, "minute": 55}
